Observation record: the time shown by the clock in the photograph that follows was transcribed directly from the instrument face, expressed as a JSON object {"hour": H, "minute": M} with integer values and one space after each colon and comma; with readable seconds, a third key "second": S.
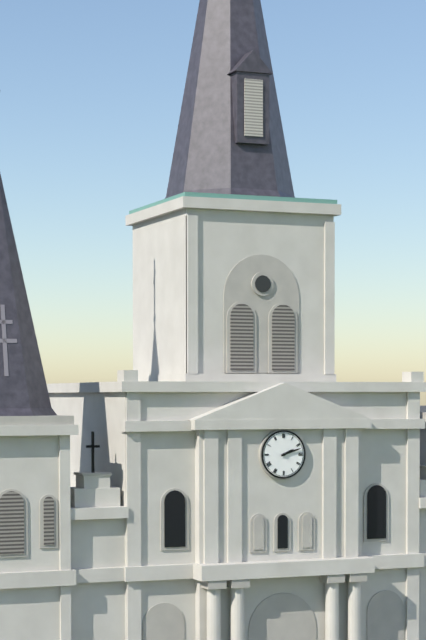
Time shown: {"hour": 2, "minute": 12}
